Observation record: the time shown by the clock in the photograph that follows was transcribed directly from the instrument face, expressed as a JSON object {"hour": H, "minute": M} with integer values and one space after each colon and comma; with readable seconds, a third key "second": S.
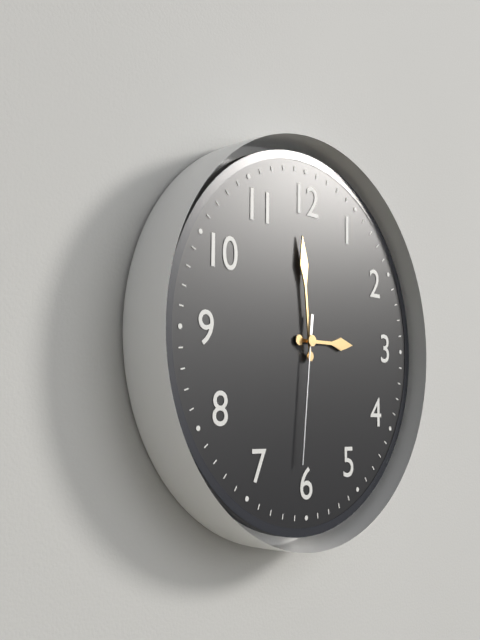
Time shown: {"hour": 2, "minute": 59, "second": 31}
